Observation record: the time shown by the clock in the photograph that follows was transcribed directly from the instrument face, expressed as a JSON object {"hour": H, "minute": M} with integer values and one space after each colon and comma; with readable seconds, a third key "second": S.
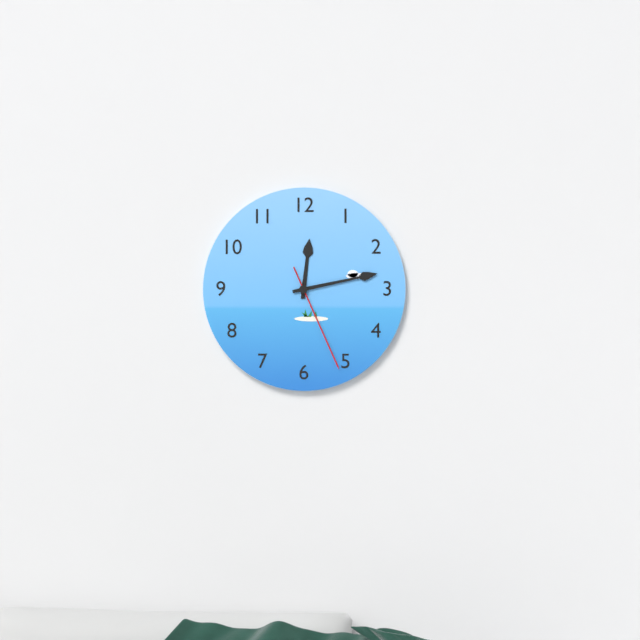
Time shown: {"hour": 12, "minute": 13, "second": 26}
